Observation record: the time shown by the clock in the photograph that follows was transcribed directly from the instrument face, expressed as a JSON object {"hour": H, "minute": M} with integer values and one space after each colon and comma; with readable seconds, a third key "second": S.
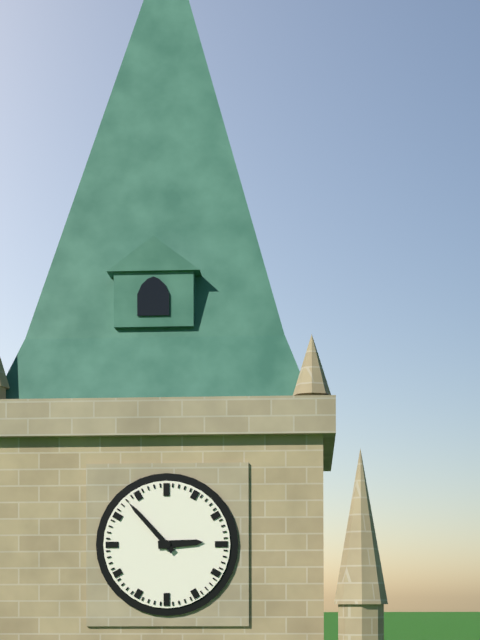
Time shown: {"hour": 2, "minute": 53}
